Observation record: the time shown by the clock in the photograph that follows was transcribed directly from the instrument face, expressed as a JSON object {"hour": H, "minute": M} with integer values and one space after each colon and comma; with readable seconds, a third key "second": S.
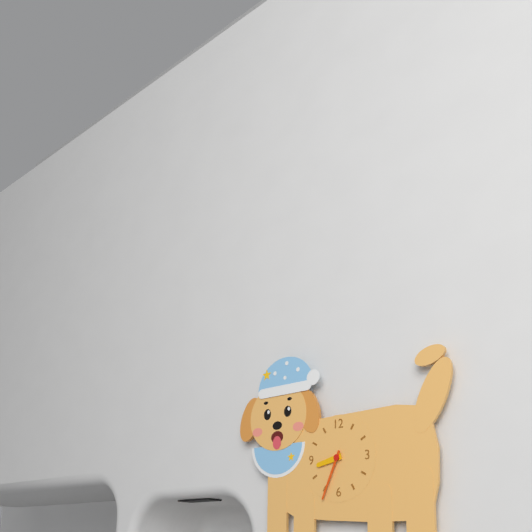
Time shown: {"hour": 8, "minute": 34}
